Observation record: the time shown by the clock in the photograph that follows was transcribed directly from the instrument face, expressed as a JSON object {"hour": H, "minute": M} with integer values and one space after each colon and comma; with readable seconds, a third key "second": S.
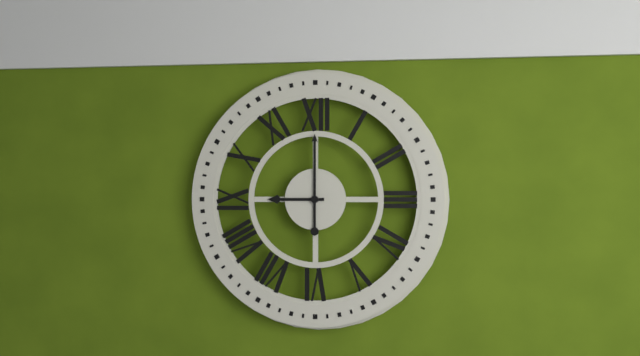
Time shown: {"hour": 9, "minute": 0}
